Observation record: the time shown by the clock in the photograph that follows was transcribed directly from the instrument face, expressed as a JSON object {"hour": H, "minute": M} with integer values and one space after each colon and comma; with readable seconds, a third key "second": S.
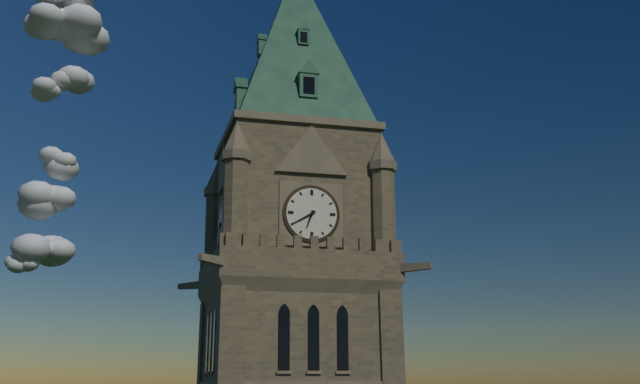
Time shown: {"hour": 6, "minute": 40}
